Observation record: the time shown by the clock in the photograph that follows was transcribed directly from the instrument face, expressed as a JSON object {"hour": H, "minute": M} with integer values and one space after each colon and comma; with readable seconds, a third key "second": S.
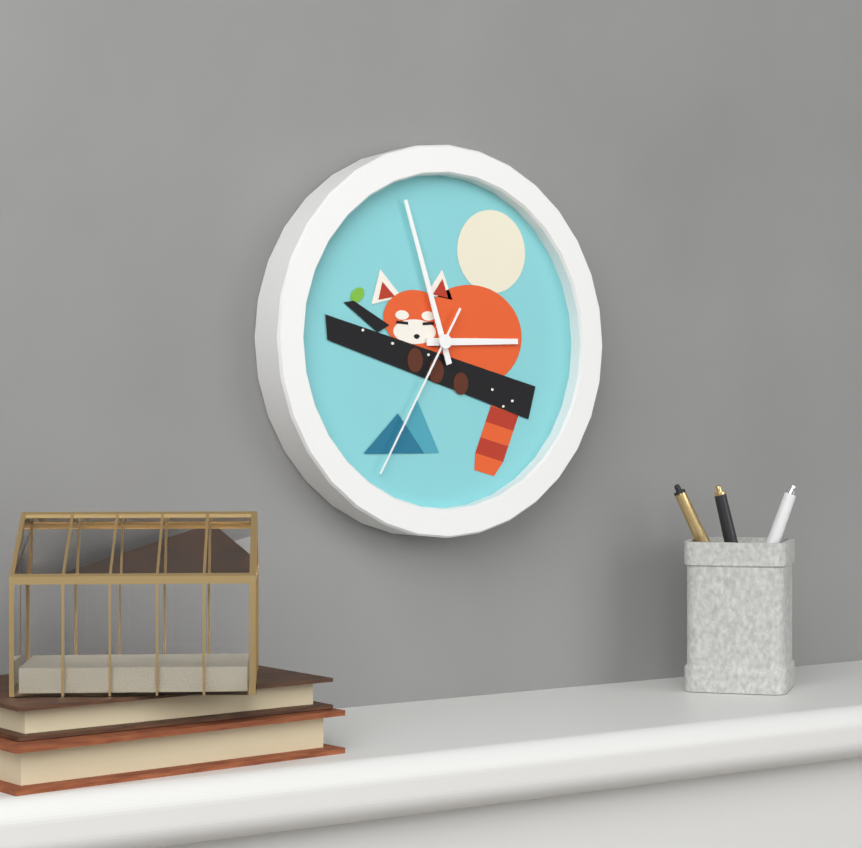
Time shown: {"hour": 2, "minute": 57, "second": 35}
